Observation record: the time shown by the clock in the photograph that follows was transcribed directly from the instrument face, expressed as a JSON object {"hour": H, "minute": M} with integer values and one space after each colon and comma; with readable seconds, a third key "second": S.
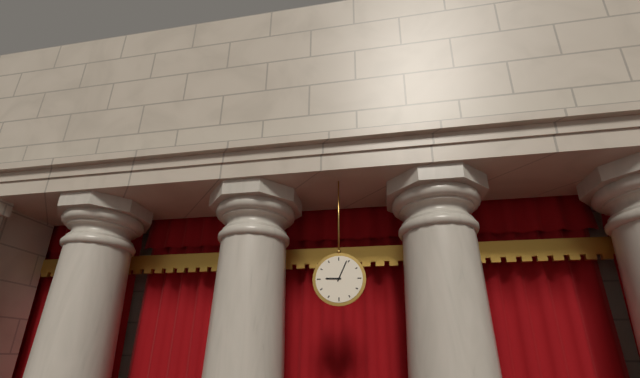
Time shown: {"hour": 9, "minute": 4}
